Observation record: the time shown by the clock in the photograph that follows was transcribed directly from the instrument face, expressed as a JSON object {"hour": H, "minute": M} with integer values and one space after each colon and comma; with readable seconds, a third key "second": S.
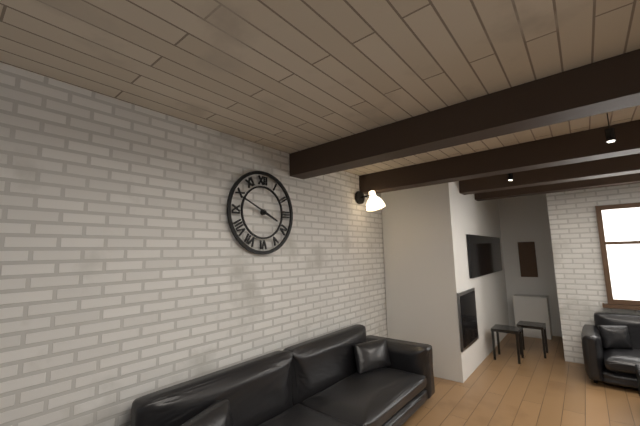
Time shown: {"hour": 3, "minute": 49}
